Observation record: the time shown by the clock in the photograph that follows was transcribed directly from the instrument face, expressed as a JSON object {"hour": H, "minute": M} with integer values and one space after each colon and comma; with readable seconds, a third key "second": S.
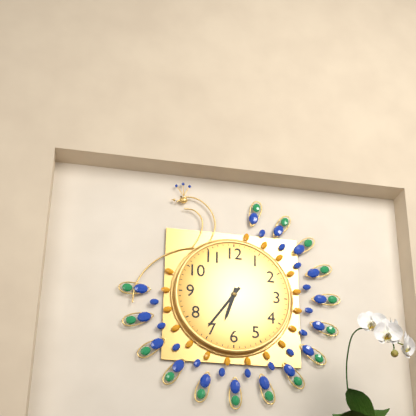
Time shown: {"hour": 6, "minute": 36}
